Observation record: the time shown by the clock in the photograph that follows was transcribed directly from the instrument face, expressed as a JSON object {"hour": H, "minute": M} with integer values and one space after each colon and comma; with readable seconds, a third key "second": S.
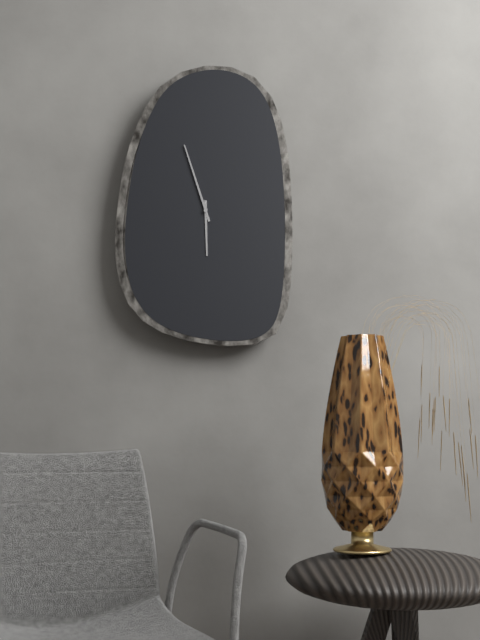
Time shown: {"hour": 5, "minute": 57}
